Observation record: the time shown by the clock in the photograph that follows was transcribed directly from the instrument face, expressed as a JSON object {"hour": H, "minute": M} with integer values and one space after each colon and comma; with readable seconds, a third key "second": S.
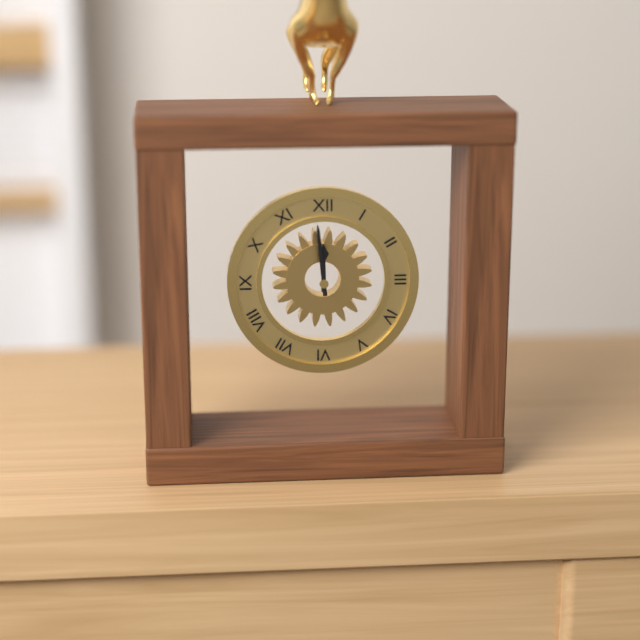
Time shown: {"hour": 11, "minute": 59}
